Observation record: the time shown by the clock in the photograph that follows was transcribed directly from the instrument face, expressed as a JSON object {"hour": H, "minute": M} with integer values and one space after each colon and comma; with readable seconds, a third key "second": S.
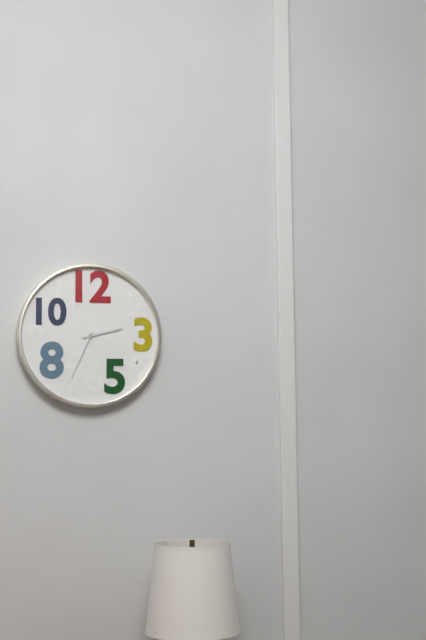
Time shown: {"hour": 2, "minute": 34}
